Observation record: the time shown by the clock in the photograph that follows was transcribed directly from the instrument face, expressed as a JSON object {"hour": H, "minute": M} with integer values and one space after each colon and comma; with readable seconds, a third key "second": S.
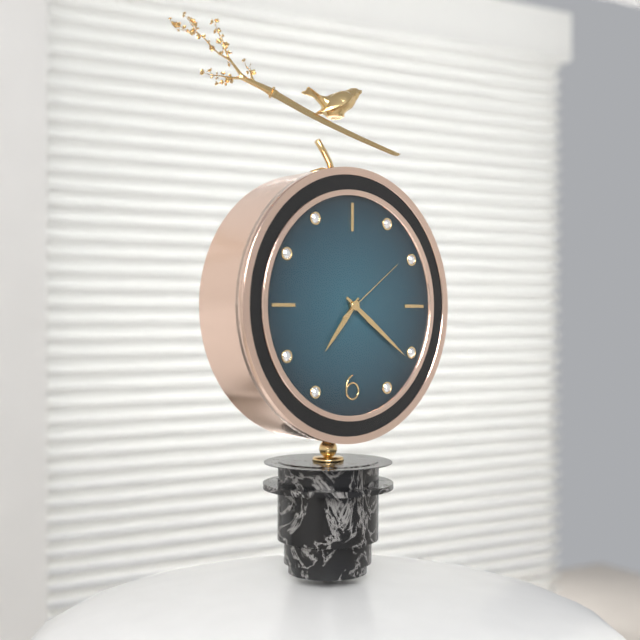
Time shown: {"hour": 7, "minute": 21, "second": 9}
